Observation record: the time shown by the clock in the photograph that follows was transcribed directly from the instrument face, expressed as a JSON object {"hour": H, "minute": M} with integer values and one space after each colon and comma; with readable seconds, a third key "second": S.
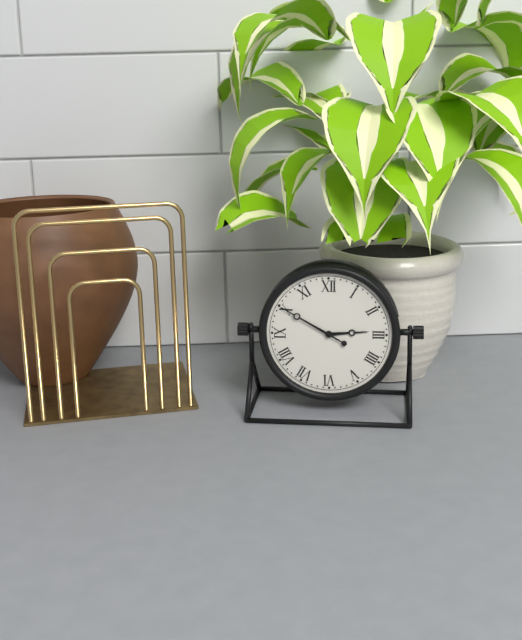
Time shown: {"hour": 2, "minute": 50}
